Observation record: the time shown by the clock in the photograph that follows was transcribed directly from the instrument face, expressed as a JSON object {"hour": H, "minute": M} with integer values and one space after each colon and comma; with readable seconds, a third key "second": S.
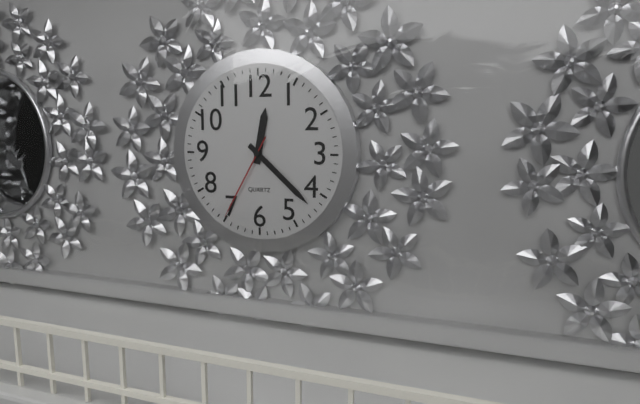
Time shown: {"hour": 12, "minute": 22, "second": 35}
